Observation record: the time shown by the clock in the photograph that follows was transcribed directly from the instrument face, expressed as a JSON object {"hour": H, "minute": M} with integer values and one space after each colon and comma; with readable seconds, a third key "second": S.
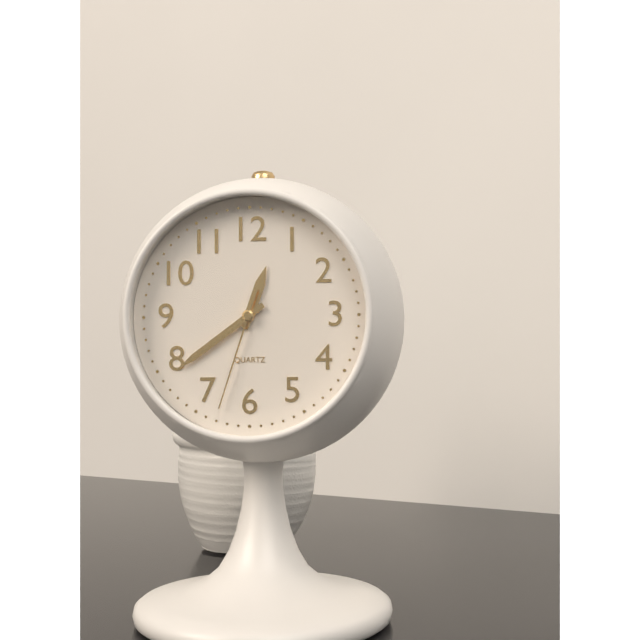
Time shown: {"hour": 12, "minute": 39, "second": 33}
